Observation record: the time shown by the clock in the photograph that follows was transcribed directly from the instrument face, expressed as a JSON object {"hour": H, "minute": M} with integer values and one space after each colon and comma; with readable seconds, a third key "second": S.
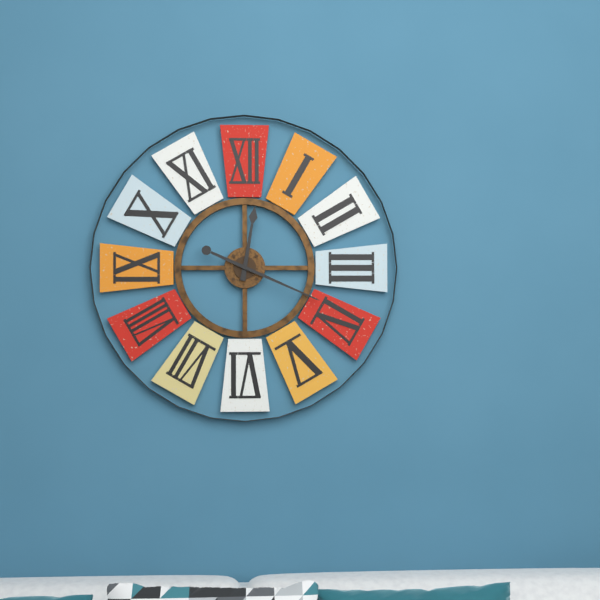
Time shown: {"hour": 12, "minute": 19}
